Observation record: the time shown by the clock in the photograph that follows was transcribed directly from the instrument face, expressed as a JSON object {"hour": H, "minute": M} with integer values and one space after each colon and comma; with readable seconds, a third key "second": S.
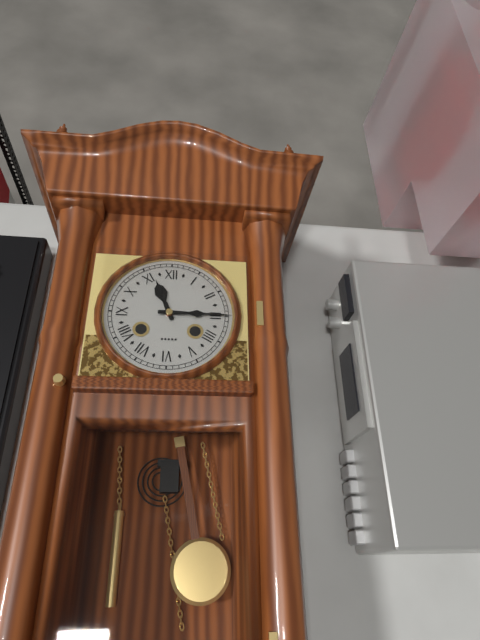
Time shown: {"hour": 11, "minute": 15}
